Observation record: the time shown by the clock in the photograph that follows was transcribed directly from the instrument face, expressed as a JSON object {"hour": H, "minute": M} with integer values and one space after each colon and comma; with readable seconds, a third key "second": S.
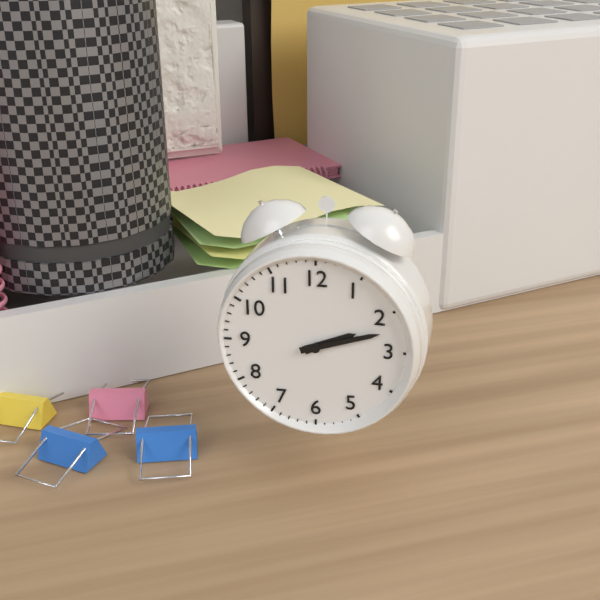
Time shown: {"hour": 2, "minute": 12}
